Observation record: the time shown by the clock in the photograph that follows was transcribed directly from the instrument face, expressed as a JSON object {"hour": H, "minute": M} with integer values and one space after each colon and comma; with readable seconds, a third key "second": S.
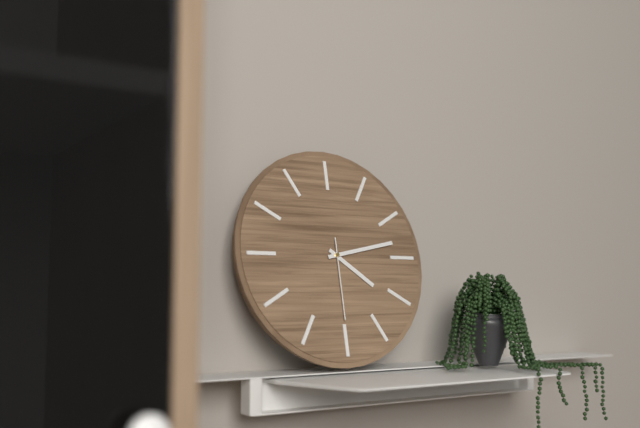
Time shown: {"hour": 4, "minute": 13, "second": 30}
